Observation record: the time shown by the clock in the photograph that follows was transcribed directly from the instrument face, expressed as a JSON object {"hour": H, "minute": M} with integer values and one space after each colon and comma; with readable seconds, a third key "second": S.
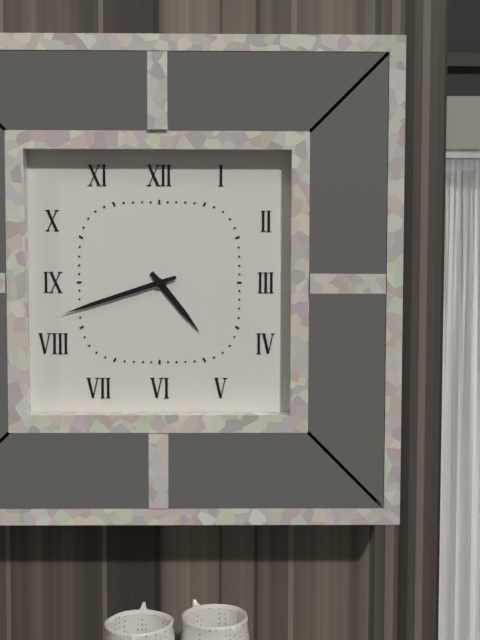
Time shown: {"hour": 4, "minute": 42}
